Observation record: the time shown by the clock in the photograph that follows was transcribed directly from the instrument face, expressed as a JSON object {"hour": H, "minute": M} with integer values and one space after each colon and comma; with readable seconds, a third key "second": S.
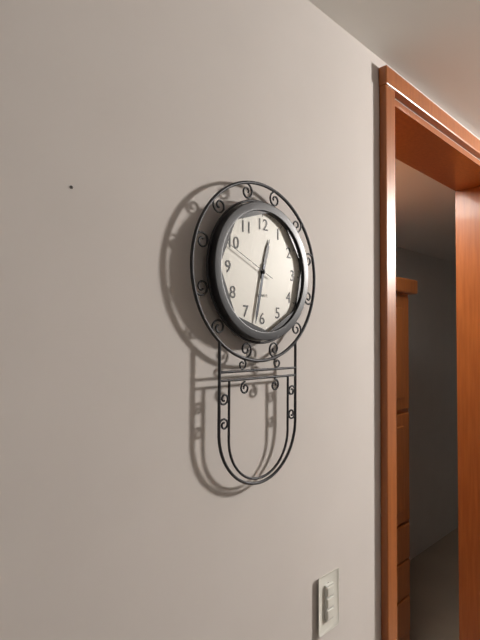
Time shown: {"hour": 12, "minute": 32, "second": 49}
